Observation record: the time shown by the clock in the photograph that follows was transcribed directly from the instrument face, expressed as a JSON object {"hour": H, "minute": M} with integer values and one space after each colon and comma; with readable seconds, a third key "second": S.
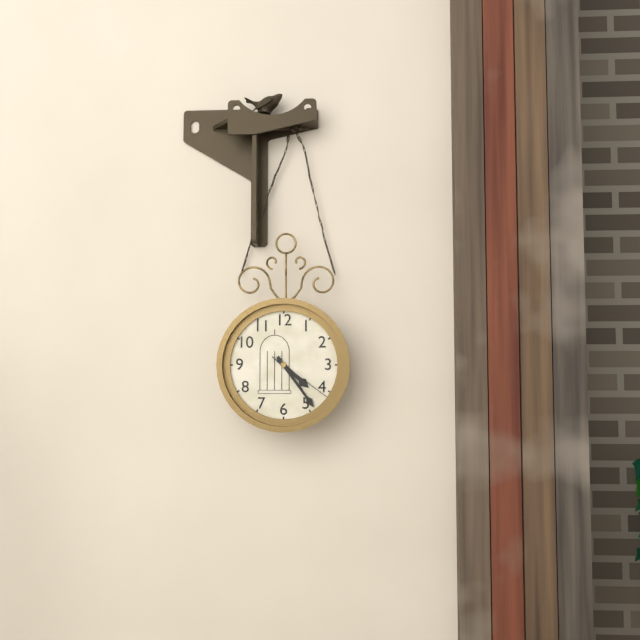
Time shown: {"hour": 4, "minute": 24, "second": 21}
